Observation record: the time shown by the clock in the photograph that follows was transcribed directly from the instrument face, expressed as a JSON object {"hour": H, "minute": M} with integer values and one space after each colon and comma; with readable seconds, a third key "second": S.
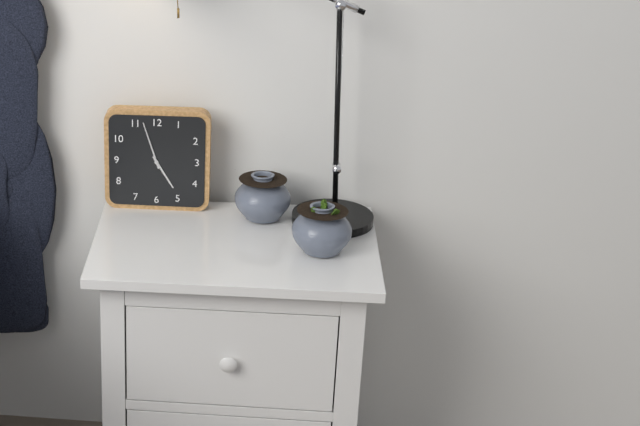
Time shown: {"hour": 4, "minute": 57}
